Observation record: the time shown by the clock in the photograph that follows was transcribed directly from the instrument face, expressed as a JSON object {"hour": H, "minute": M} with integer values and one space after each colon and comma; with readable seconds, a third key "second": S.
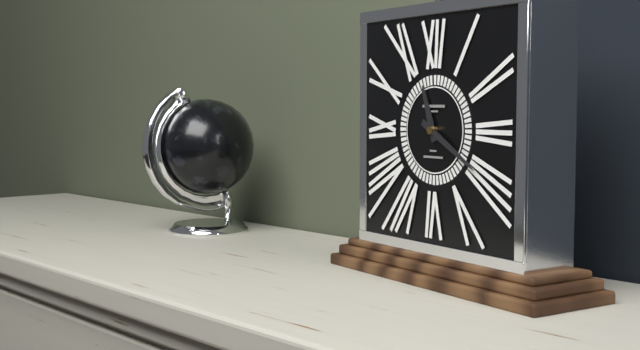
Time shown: {"hour": 11, "minute": 20}
